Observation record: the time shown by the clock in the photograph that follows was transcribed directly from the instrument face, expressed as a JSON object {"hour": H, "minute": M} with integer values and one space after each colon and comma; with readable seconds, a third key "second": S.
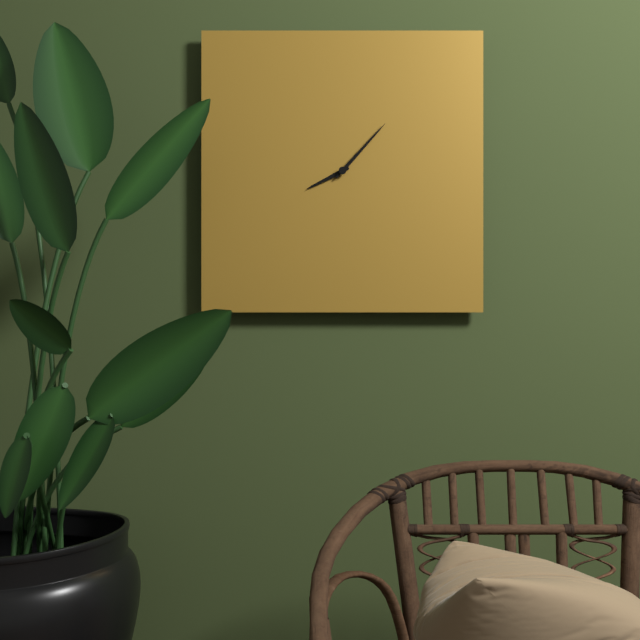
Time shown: {"hour": 8, "minute": 7}
